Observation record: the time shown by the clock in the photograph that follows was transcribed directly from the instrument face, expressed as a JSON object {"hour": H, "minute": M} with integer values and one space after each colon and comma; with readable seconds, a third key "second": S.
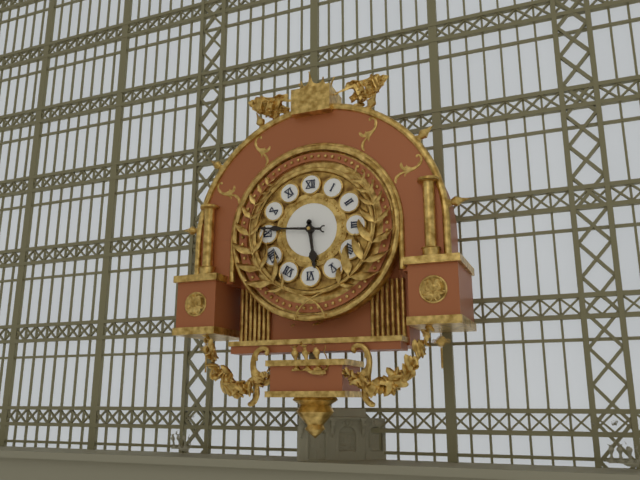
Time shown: {"hour": 5, "minute": 46}
